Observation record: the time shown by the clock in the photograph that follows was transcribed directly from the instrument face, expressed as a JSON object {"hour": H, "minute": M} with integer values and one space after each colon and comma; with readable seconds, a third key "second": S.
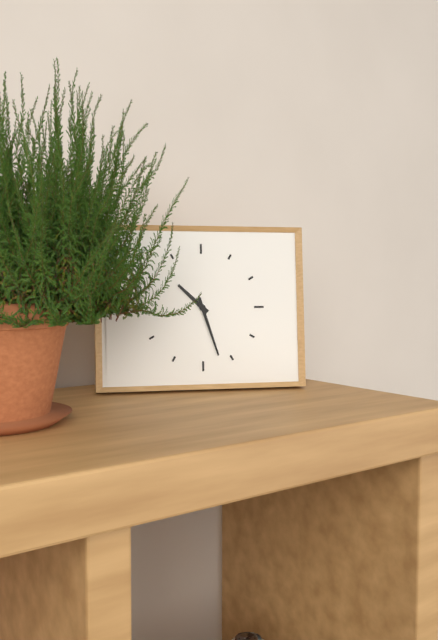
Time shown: {"hour": 10, "minute": 27}
